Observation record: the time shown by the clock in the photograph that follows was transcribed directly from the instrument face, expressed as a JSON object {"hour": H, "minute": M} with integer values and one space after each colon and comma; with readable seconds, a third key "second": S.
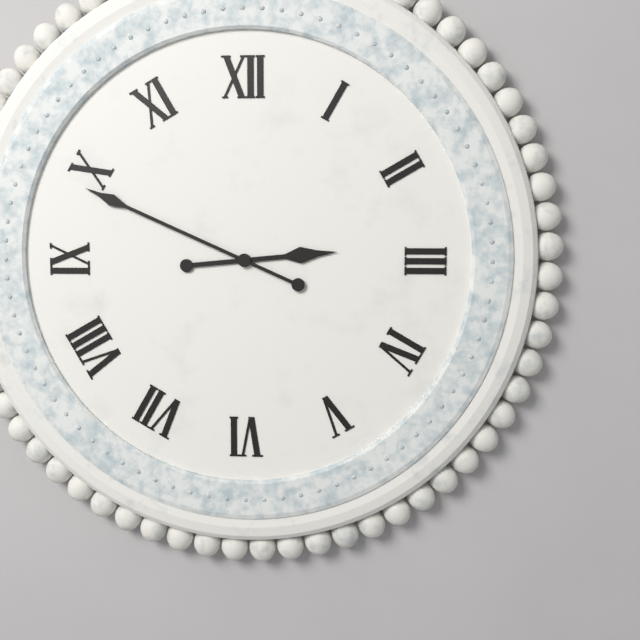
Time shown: {"hour": 2, "minute": 49}
